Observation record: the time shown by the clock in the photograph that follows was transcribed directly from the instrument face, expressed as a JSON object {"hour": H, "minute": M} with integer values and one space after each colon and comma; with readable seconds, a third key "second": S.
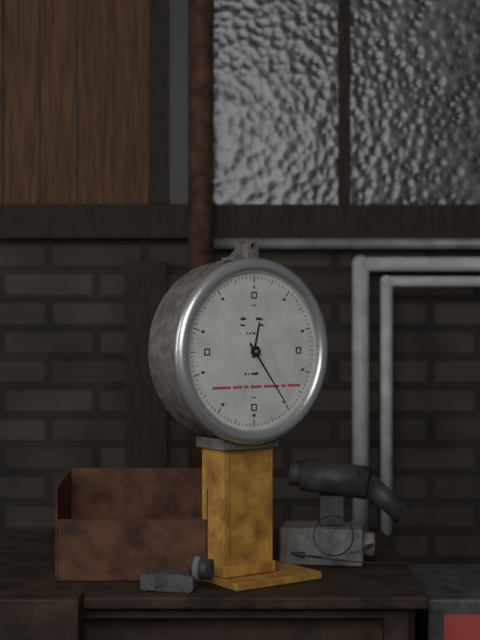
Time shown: {"hour": 12, "minute": 24}
